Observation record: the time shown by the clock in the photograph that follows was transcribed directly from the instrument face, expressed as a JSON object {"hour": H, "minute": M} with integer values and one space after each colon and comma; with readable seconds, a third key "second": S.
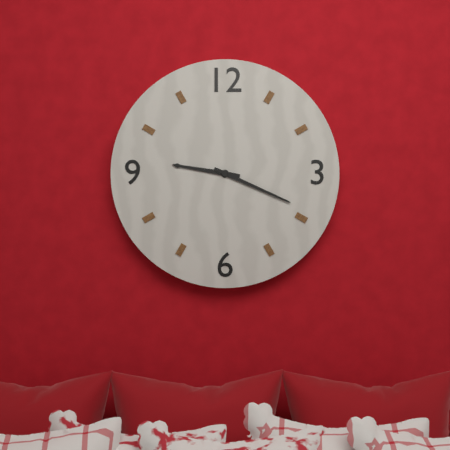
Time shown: {"hour": 9, "minute": 19}
